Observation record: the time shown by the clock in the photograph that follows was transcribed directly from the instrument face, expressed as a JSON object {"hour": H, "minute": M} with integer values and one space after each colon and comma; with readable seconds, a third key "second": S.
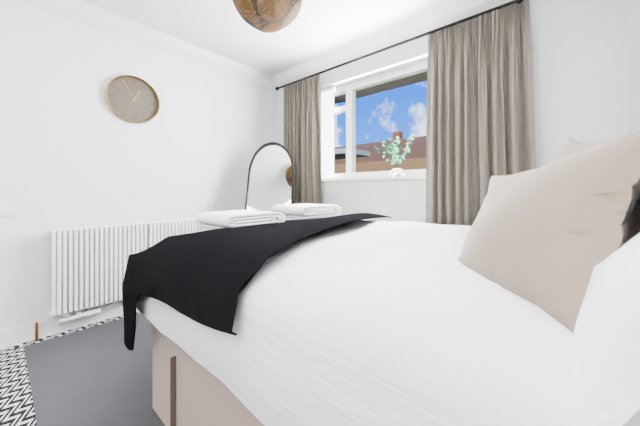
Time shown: {"hour": 12, "minute": 55}
